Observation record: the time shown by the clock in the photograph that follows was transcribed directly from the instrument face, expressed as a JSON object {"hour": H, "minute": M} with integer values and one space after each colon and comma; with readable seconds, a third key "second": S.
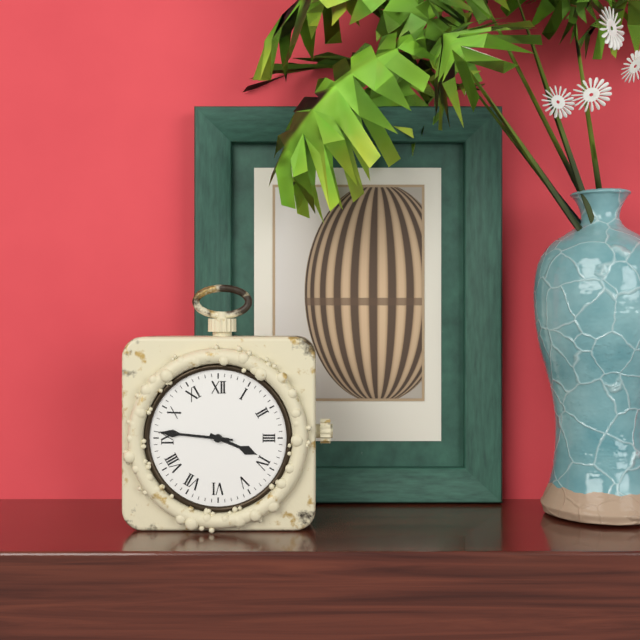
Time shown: {"hour": 3, "minute": 46, "second": 46}
